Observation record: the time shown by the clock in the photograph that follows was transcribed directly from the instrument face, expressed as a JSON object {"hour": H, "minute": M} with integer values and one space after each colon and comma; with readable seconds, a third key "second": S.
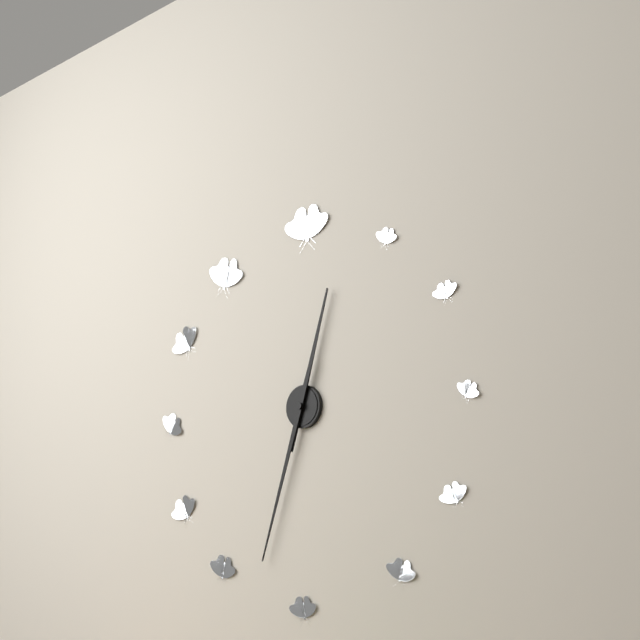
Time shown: {"hour": 12, "minute": 33}
